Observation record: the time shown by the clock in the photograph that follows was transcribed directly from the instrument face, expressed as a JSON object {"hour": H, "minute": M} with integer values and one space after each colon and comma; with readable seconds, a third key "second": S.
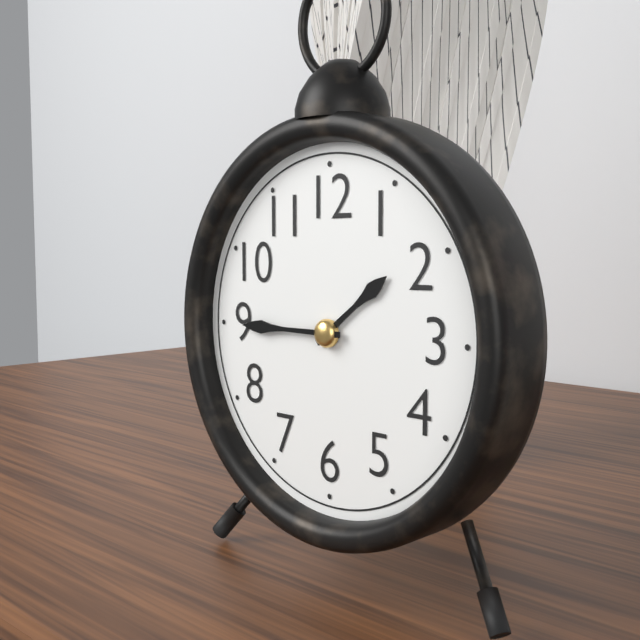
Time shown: {"hour": 1, "minute": 45}
